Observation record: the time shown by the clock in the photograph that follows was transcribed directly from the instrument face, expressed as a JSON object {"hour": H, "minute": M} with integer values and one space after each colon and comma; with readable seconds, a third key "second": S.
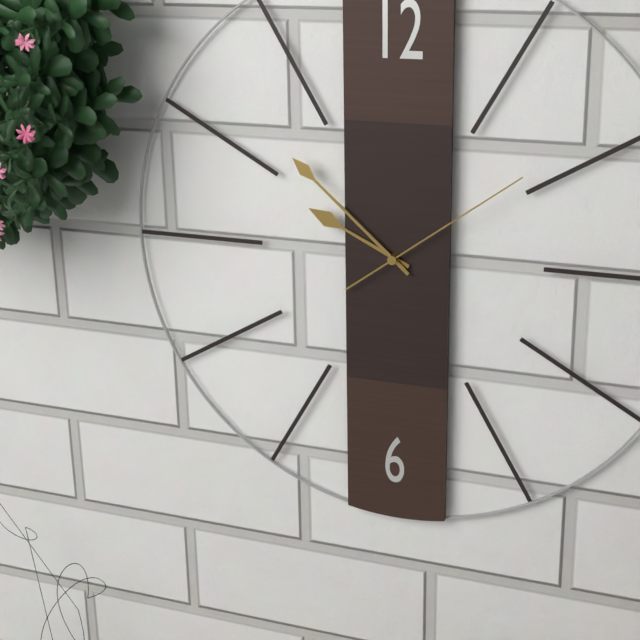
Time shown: {"hour": 9, "minute": 52, "second": 9}
